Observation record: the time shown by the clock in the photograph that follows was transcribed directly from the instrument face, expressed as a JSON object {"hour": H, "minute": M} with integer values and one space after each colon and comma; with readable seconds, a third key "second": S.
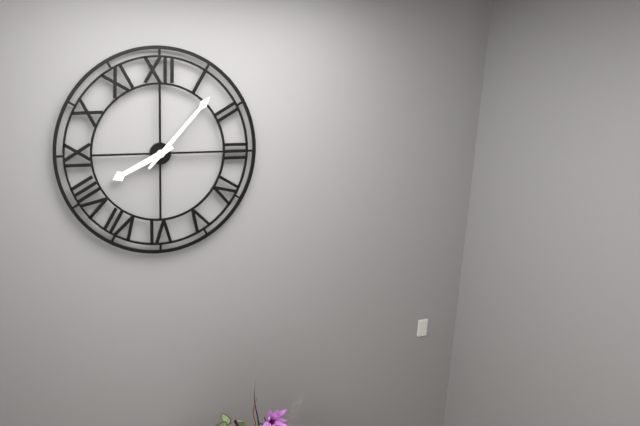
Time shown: {"hour": 8, "minute": 7}
